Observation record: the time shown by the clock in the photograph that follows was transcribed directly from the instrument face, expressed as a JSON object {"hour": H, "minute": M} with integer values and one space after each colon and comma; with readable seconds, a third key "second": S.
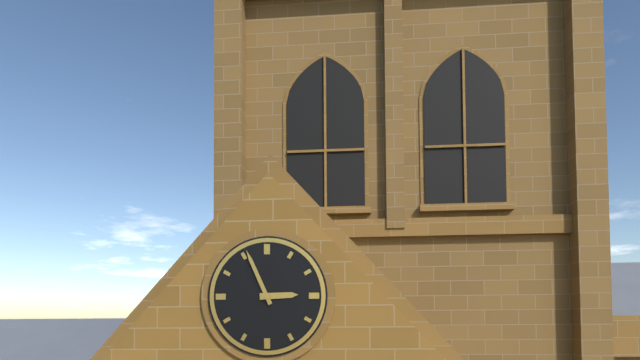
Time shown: {"hour": 2, "minute": 56}
